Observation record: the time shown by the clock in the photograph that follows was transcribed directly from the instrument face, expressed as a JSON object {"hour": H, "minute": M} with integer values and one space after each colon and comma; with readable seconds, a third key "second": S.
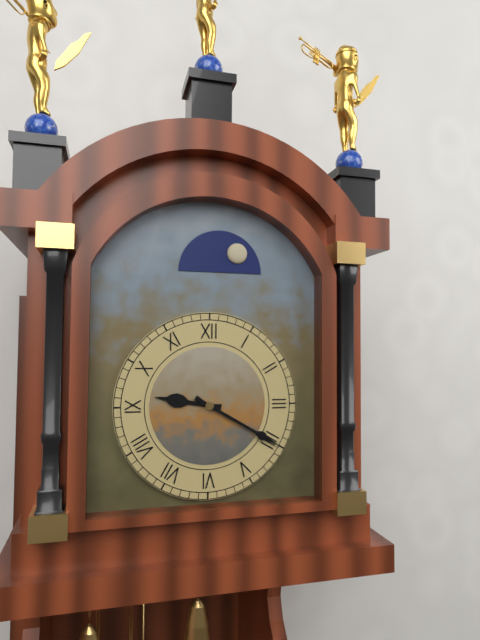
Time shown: {"hour": 9, "minute": 20}
